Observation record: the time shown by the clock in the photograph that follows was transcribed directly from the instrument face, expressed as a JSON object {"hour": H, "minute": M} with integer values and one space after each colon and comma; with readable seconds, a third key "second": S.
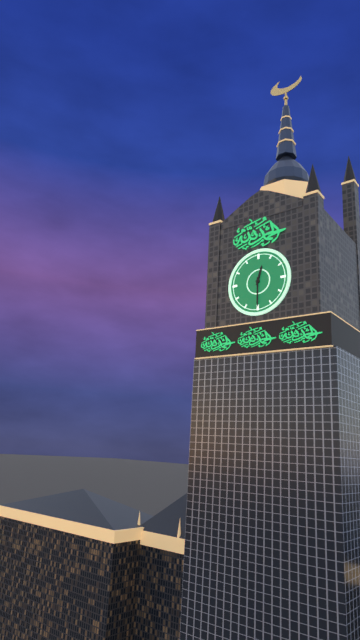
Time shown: {"hour": 12, "minute": 30}
